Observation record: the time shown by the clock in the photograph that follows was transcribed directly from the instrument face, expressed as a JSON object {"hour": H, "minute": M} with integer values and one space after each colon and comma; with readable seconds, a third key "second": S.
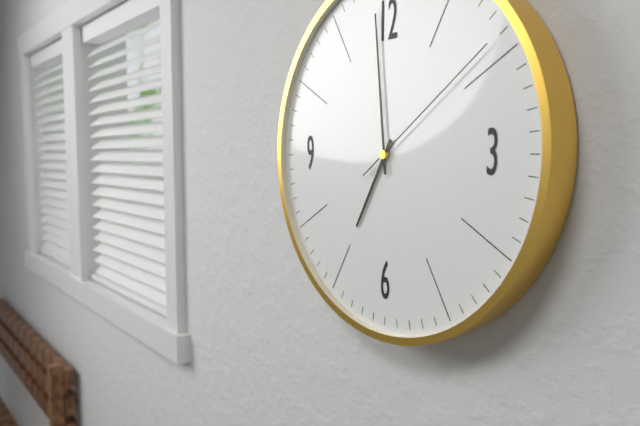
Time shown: {"hour": 6, "minute": 59, "second": 9}
